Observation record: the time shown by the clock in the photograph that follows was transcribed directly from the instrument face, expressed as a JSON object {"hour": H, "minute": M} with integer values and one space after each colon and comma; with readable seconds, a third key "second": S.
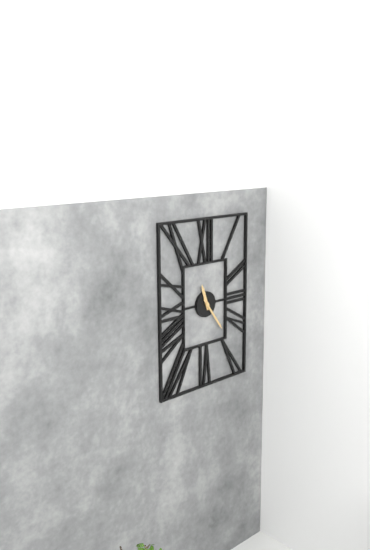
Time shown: {"hour": 11, "minute": 24}
